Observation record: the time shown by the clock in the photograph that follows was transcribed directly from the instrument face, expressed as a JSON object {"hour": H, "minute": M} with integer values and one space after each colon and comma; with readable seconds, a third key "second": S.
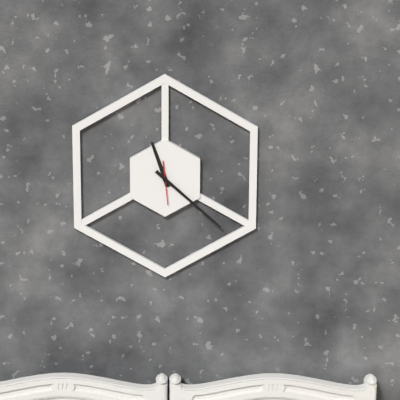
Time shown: {"hour": 11, "minute": 22}
